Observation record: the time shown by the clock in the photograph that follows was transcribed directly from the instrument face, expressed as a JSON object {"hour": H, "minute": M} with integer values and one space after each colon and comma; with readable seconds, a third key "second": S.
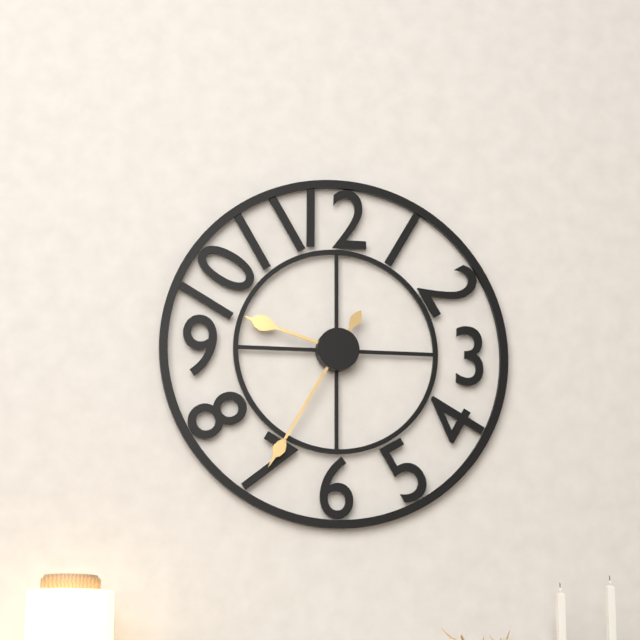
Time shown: {"hour": 9, "minute": 35}
